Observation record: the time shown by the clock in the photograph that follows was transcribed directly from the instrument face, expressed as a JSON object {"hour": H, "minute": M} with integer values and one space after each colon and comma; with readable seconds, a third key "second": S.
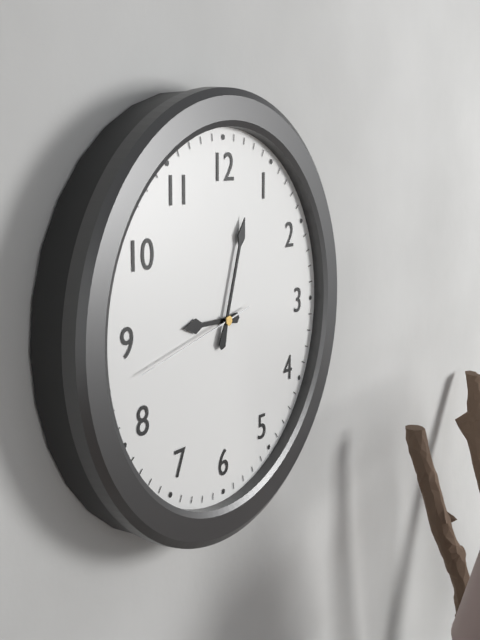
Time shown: {"hour": 9, "minute": 3, "second": 43}
